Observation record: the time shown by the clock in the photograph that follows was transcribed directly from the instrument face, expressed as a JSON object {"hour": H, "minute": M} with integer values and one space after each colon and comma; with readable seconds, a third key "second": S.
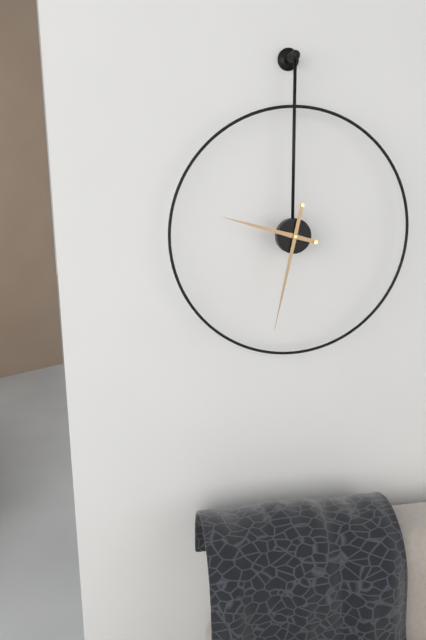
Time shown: {"hour": 9, "minute": 32}
